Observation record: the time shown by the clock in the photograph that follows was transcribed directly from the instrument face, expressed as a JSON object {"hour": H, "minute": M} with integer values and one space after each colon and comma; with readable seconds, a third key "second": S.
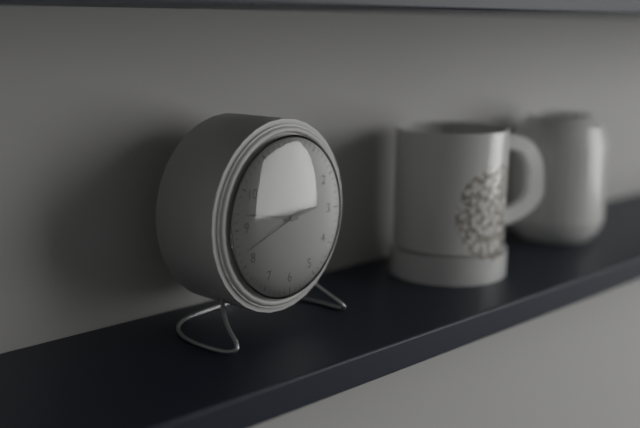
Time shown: {"hour": 2, "minute": 47, "second": 42}
